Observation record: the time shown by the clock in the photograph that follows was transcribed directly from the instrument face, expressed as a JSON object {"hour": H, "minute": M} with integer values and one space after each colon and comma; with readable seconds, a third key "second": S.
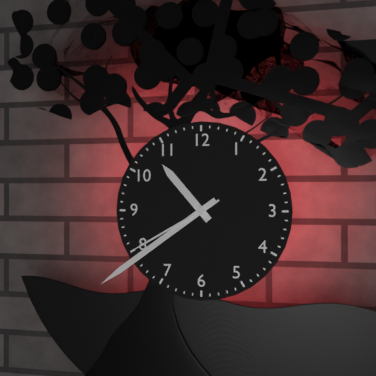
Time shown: {"hour": 10, "minute": 39, "second": 40}
